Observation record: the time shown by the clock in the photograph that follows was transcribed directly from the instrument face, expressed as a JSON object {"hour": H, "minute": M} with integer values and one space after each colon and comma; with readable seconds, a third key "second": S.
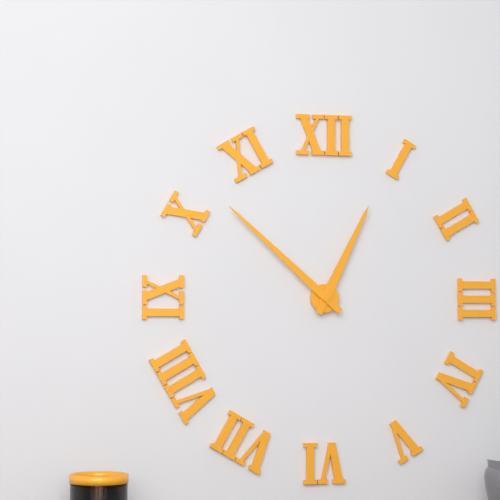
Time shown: {"hour": 12, "minute": 52}
